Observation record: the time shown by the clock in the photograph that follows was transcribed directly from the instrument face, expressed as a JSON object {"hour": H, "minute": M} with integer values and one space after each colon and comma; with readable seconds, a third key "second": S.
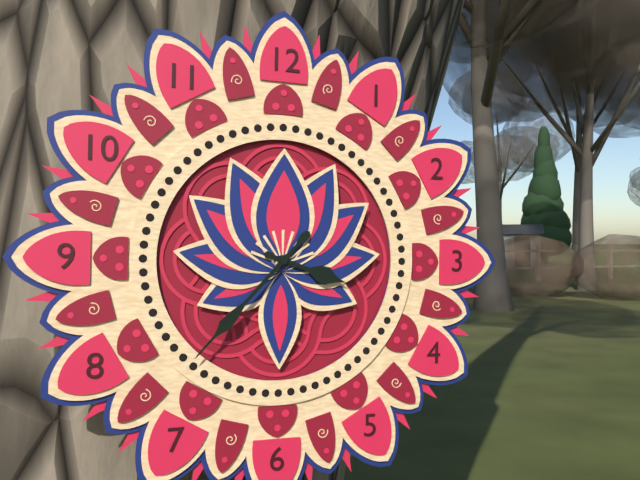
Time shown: {"hour": 3, "minute": 37}
